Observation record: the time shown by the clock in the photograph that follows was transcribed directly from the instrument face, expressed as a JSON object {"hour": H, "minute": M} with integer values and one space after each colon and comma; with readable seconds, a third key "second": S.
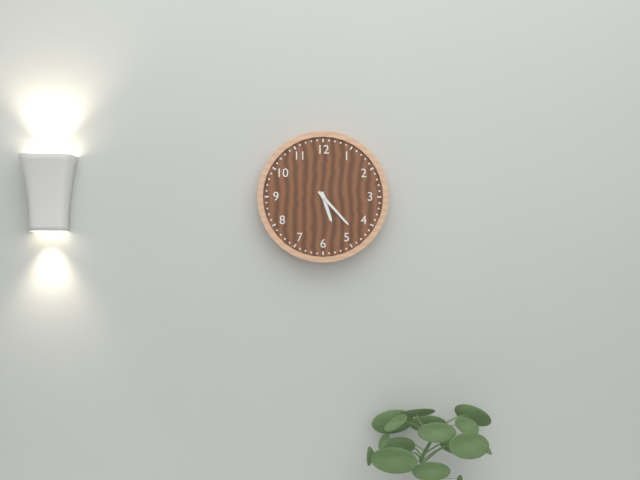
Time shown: {"hour": 5, "minute": 23}
